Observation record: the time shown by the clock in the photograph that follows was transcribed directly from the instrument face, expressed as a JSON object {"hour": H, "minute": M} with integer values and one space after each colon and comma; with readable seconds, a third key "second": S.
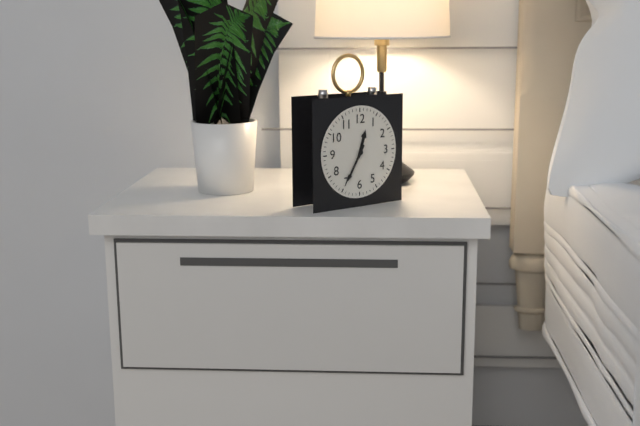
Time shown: {"hour": 12, "minute": 35}
